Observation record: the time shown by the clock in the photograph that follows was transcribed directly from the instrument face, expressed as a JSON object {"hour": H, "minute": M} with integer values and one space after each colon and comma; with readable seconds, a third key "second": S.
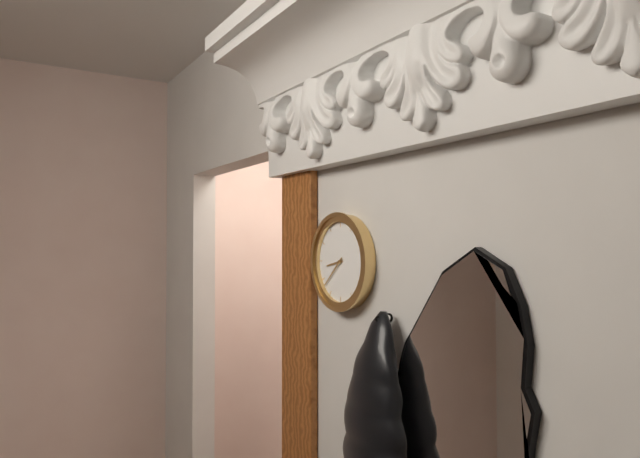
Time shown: {"hour": 8, "minute": 38}
